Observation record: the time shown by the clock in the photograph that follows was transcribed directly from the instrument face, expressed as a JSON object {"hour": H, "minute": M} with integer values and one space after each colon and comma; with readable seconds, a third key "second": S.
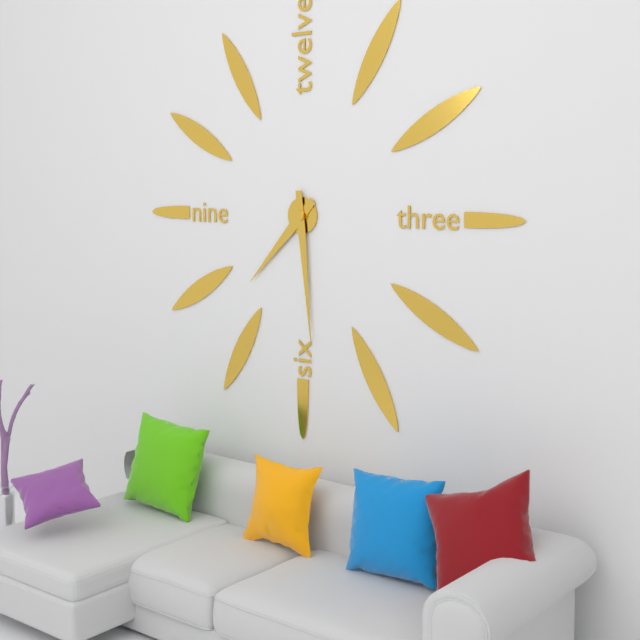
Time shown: {"hour": 7, "minute": 29}
